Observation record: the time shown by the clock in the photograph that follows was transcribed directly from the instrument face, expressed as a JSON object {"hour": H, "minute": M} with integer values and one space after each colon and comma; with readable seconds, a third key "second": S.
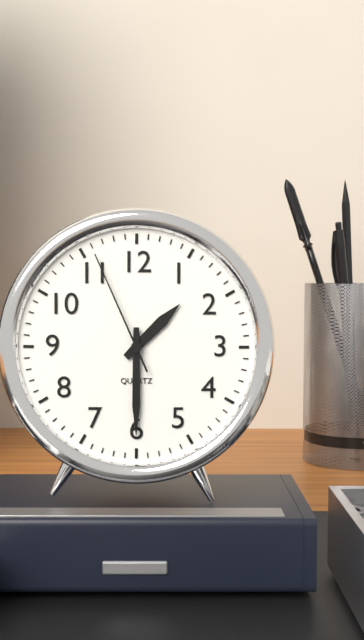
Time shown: {"hour": 1, "minute": 30, "second": 56}
